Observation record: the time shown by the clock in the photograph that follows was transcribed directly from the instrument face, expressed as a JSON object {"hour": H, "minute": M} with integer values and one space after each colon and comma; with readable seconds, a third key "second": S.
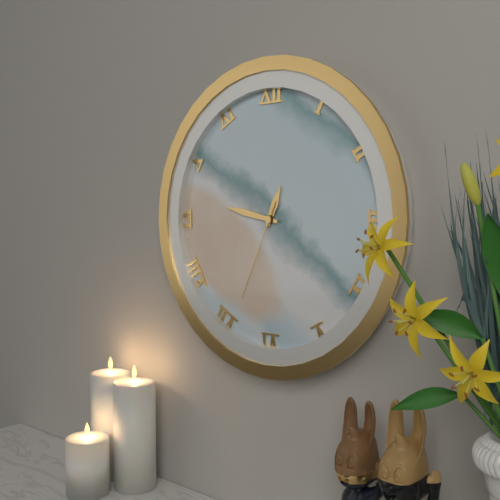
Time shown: {"hour": 12, "minute": 47, "second": 34}
